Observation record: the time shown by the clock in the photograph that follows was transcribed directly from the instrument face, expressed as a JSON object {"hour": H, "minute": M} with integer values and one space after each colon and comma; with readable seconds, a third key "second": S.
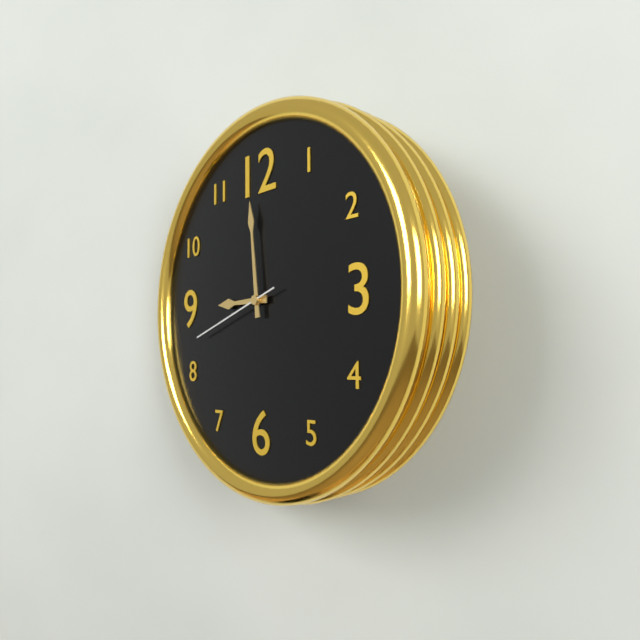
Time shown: {"hour": 8, "minute": 59, "second": 42}
